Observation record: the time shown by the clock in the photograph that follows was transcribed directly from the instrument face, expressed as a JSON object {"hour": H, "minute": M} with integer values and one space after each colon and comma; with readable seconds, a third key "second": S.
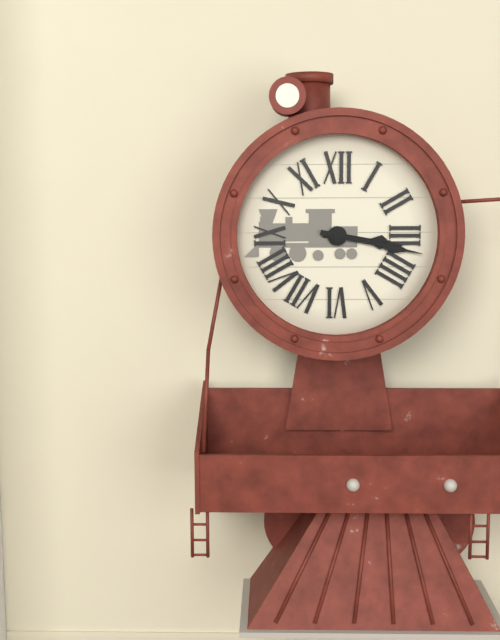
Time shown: {"hour": 3, "minute": 17}
